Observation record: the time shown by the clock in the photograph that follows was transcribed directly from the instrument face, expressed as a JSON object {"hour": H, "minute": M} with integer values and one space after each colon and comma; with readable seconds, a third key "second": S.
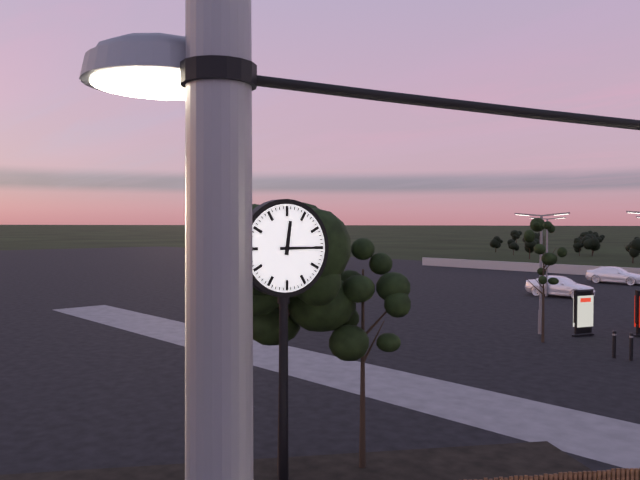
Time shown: {"hour": 12, "minute": 15}
